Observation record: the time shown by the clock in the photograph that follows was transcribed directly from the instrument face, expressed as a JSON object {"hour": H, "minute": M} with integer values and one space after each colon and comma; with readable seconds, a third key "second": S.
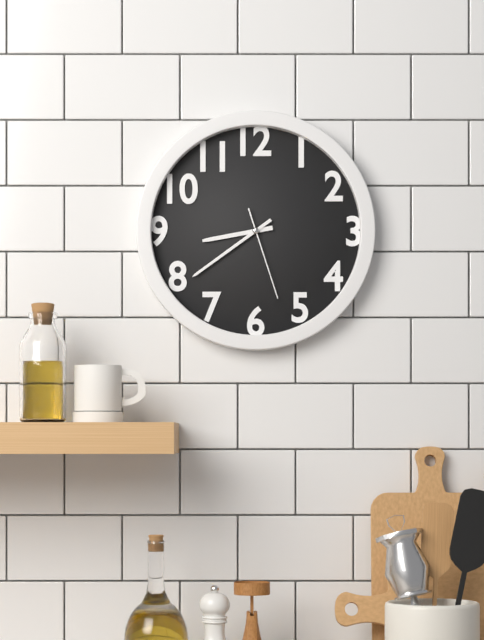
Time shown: {"hour": 8, "minute": 39, "second": 27}
